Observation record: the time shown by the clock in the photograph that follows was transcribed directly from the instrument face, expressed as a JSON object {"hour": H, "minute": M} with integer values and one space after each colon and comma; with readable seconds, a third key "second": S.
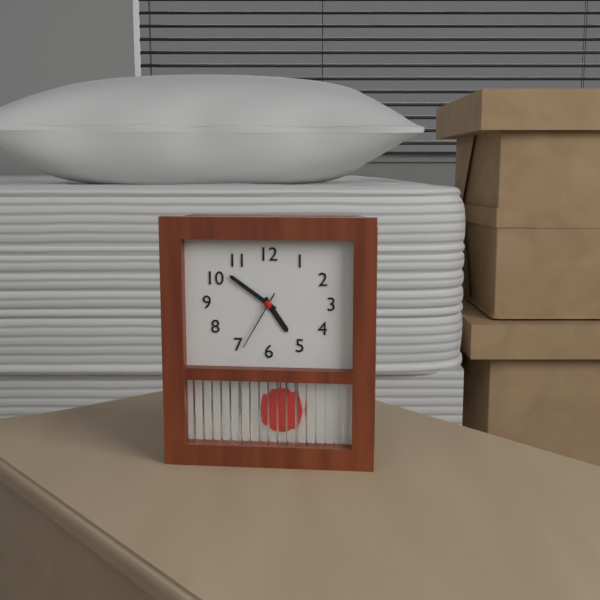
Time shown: {"hour": 4, "minute": 51, "second": 35}
